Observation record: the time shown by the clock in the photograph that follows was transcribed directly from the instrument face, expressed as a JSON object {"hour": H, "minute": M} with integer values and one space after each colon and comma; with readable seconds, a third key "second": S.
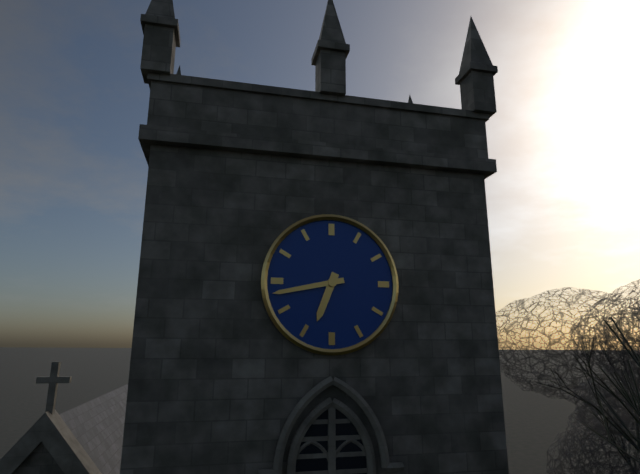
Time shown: {"hour": 6, "minute": 43}
